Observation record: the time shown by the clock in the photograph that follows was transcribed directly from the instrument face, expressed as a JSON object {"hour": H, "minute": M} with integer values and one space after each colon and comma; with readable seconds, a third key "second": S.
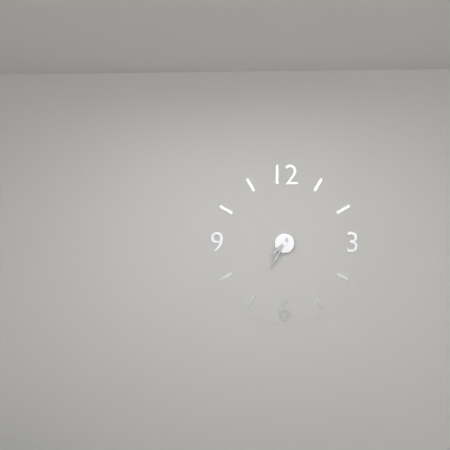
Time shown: {"hour": 7, "minute": 35}
